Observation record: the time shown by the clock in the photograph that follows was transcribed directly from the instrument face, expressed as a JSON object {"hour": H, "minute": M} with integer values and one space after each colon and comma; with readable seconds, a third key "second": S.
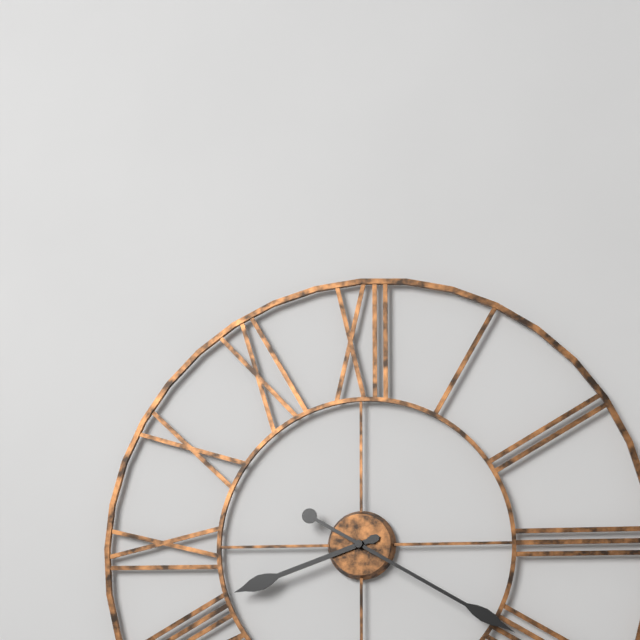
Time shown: {"hour": 8, "minute": 20}
